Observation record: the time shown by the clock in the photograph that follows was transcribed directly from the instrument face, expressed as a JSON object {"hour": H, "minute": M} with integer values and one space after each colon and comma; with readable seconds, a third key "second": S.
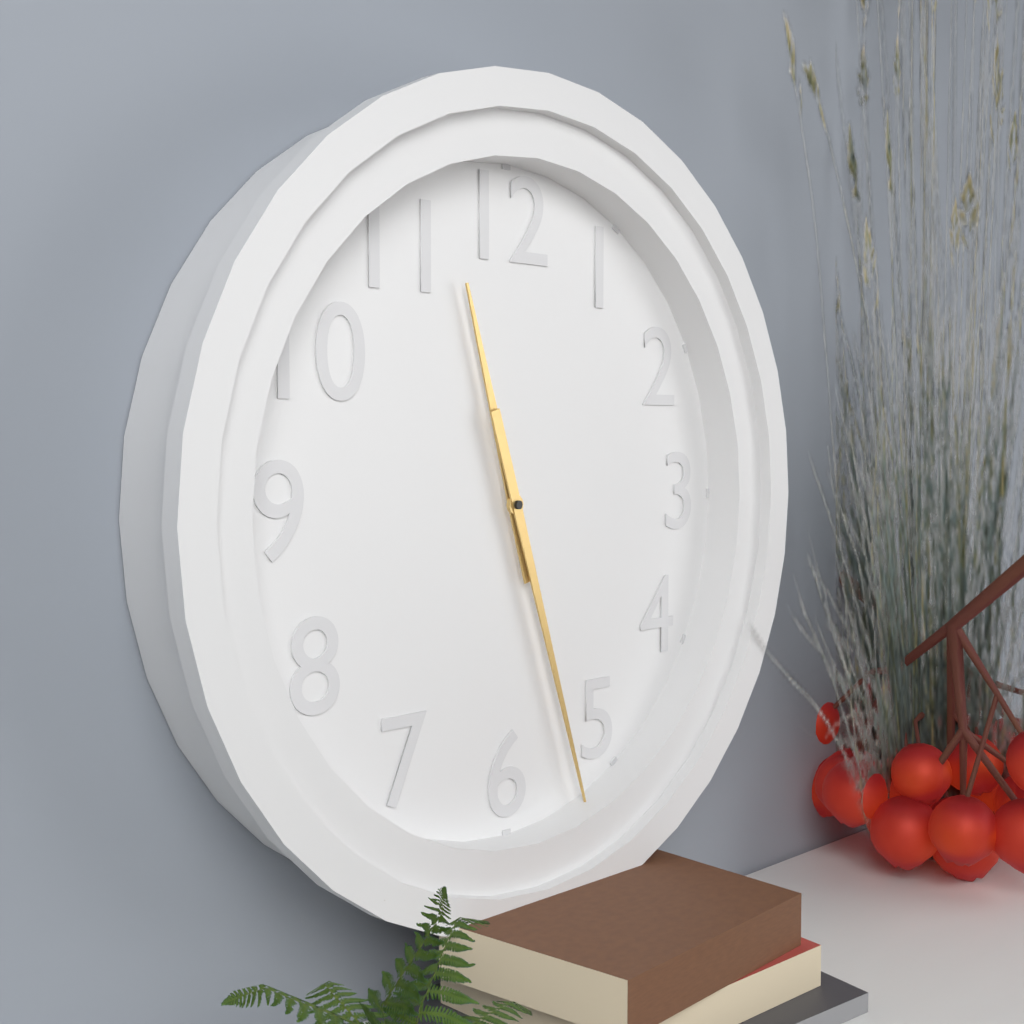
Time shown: {"hour": 11, "minute": 27}
